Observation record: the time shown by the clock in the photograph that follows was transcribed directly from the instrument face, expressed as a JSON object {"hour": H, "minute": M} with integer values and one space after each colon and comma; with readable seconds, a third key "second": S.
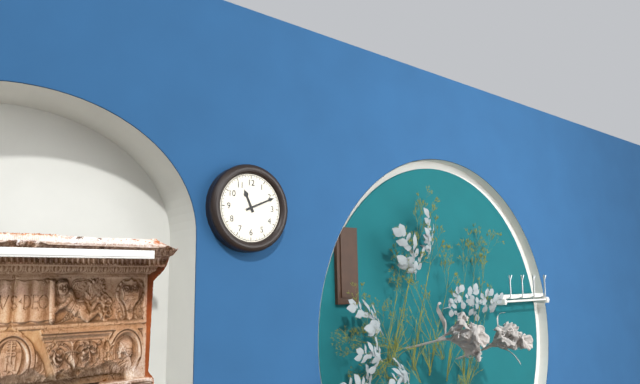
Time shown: {"hour": 11, "minute": 11}
